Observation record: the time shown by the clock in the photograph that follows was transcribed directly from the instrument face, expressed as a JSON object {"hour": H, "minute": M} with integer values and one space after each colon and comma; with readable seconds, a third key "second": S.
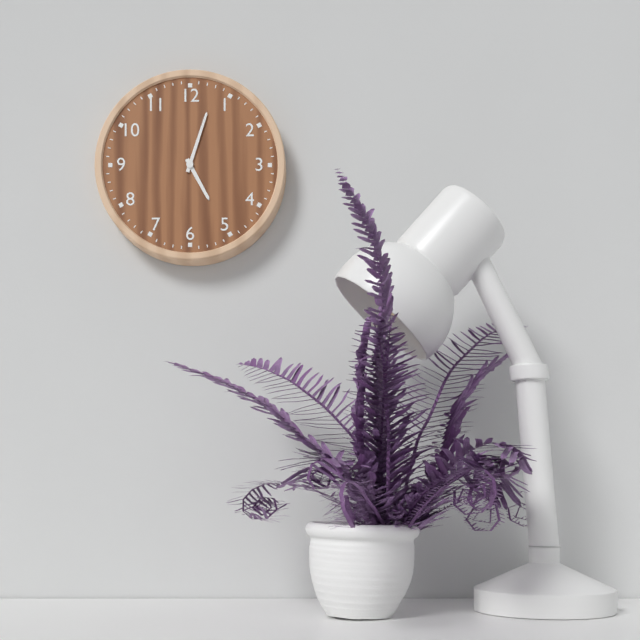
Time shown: {"hour": 5, "minute": 3}
